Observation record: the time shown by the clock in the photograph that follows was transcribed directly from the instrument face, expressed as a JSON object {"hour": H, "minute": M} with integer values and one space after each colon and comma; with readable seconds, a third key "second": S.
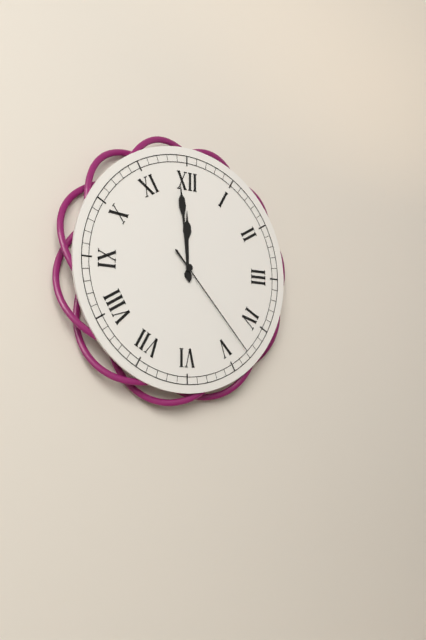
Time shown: {"hour": 11, "minute": 59, "second": 23}
